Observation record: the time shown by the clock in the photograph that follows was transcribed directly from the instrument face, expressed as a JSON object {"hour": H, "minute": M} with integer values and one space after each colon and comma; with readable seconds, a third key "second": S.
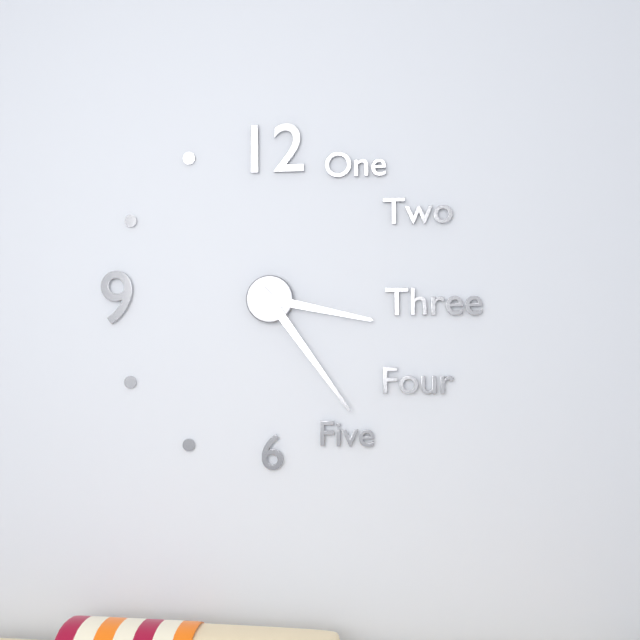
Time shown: {"hour": 3, "minute": 24}
